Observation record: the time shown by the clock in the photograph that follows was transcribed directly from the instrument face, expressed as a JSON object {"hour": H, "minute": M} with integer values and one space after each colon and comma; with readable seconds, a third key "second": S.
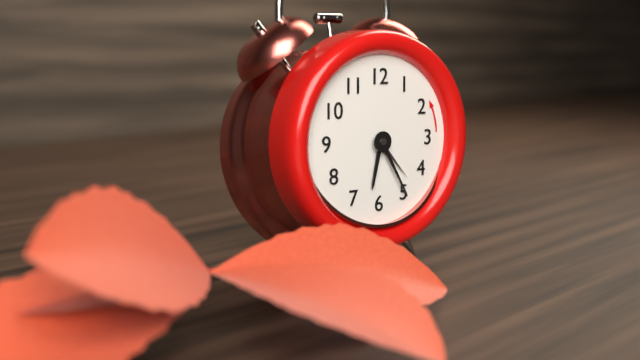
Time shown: {"hour": 6, "minute": 25, "second": 23}
